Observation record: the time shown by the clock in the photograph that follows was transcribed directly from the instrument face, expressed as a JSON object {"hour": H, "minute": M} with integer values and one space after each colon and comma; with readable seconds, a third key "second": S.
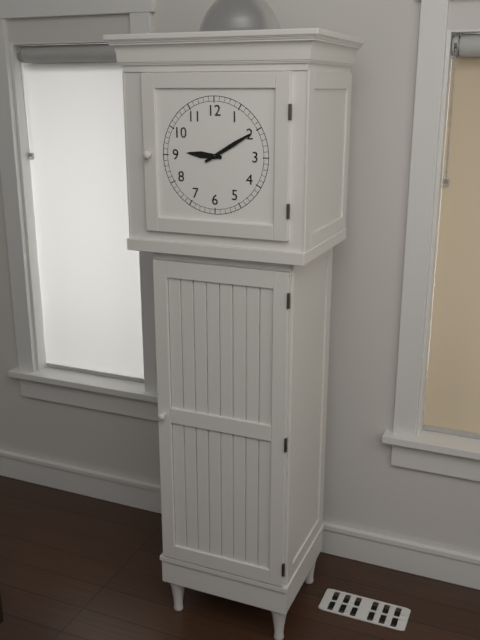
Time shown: {"hour": 9, "minute": 10}
